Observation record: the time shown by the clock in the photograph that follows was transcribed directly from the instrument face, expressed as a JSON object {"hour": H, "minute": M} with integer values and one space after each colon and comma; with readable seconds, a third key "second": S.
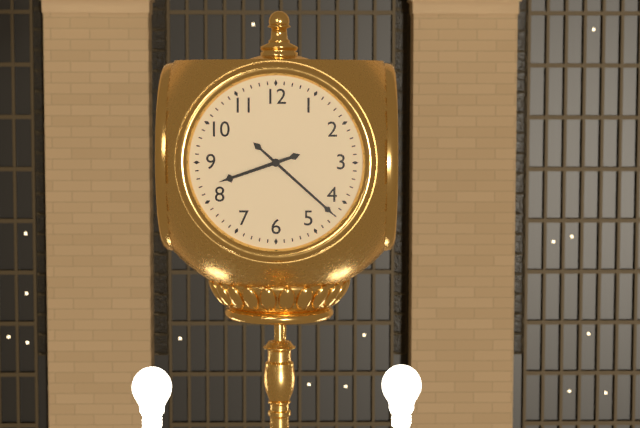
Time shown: {"hour": 8, "minute": 22}
